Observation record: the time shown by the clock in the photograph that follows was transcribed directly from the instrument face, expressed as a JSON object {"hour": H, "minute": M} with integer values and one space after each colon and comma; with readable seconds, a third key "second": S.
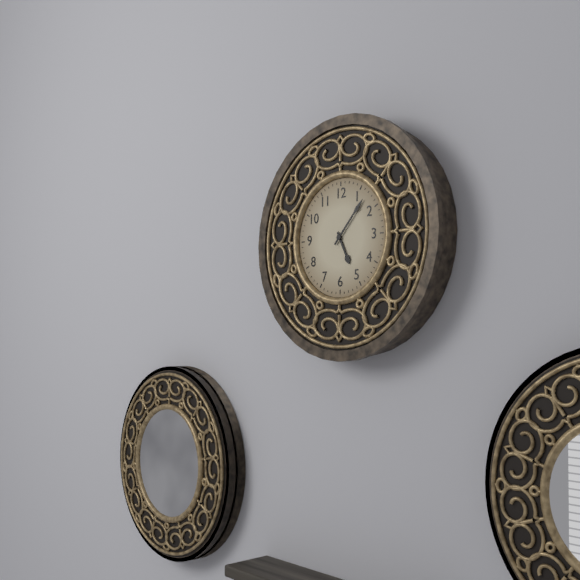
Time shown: {"hour": 5, "minute": 7}
